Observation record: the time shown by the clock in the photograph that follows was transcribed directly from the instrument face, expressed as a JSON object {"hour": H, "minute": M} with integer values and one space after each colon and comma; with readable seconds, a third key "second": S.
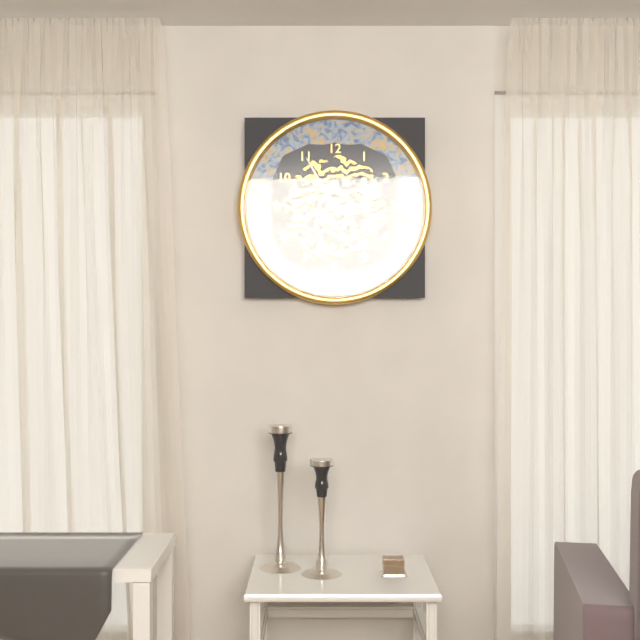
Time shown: {"hour": 2, "minute": 55}
